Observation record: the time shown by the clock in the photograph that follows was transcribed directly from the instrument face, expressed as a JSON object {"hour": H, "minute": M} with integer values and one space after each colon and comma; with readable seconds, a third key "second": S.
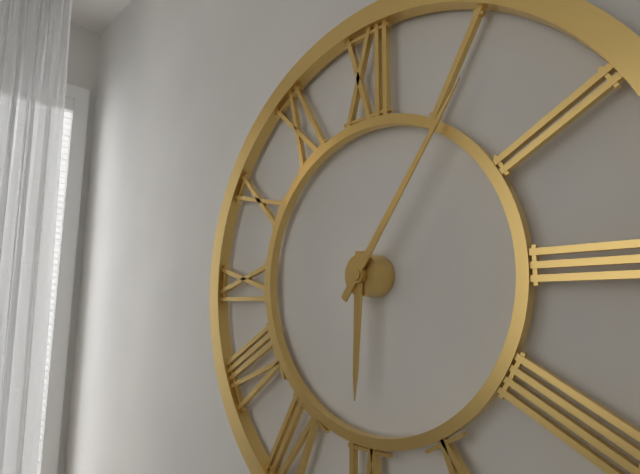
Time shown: {"hour": 6, "minute": 6}
